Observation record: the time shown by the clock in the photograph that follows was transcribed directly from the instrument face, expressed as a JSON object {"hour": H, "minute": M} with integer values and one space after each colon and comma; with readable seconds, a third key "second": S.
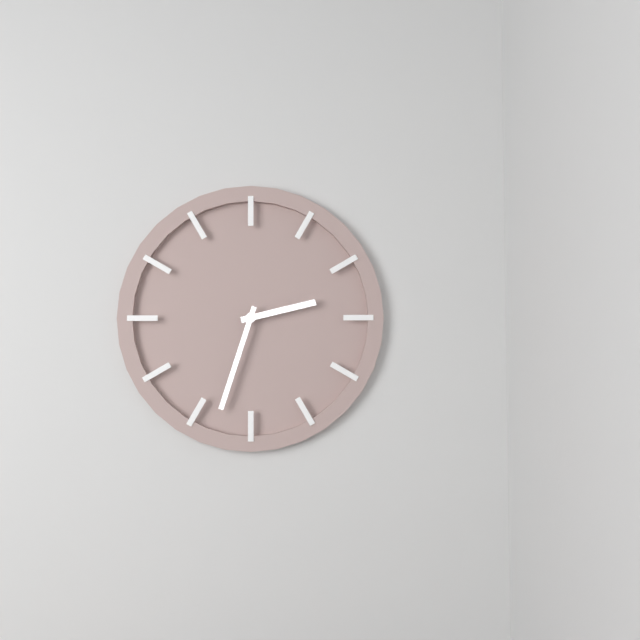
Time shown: {"hour": 2, "minute": 33}
